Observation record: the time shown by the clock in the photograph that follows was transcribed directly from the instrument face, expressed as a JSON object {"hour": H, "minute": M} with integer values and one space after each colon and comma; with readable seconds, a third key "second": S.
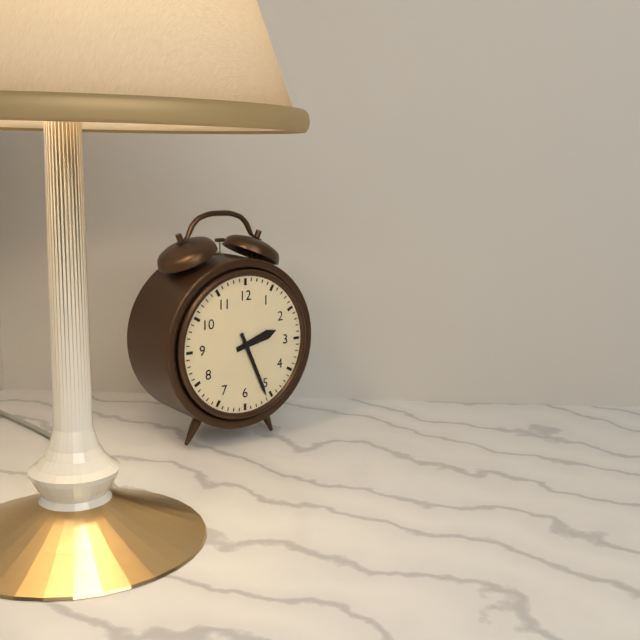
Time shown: {"hour": 2, "minute": 26}
